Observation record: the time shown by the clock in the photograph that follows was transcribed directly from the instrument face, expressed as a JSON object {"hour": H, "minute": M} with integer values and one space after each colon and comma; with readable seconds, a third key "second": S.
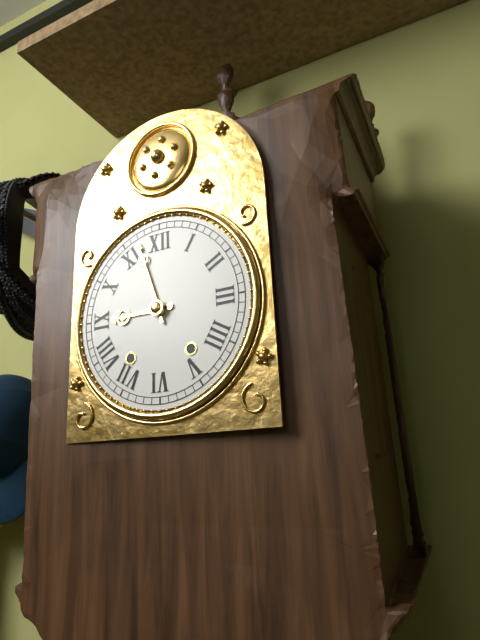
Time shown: {"hour": 8, "minute": 57}
